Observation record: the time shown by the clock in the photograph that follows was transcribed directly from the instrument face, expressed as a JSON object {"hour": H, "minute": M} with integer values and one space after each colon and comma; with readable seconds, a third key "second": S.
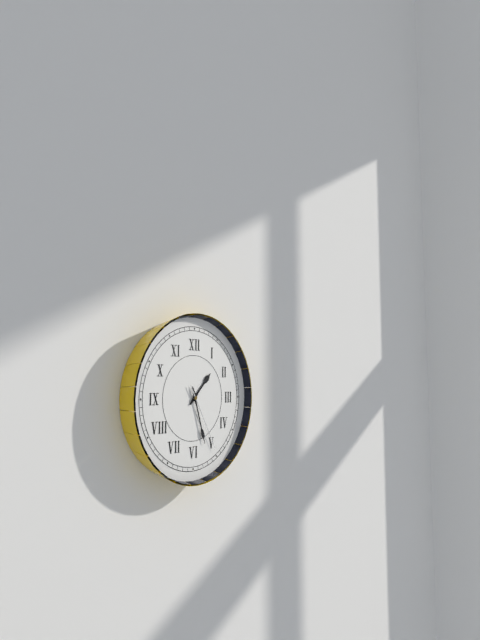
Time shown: {"hour": 1, "minute": 27, "second": 25}
